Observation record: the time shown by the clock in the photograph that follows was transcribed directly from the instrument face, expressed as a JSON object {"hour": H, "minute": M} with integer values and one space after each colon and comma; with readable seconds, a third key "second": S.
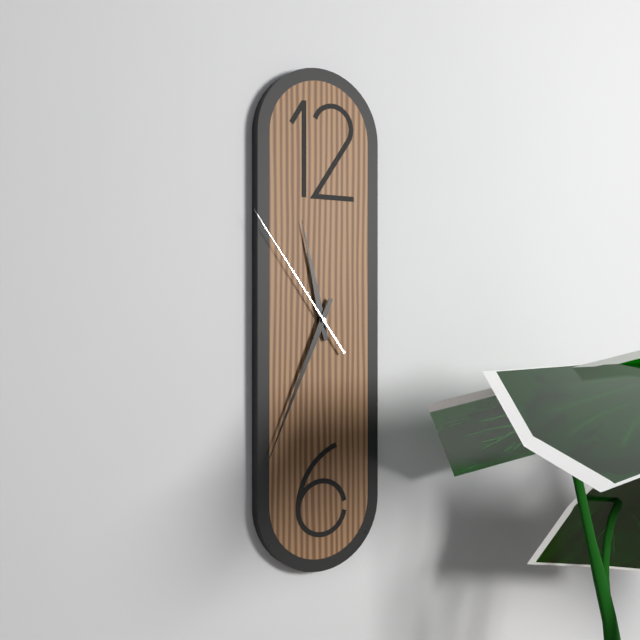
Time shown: {"hour": 11, "minute": 34, "second": 54}
